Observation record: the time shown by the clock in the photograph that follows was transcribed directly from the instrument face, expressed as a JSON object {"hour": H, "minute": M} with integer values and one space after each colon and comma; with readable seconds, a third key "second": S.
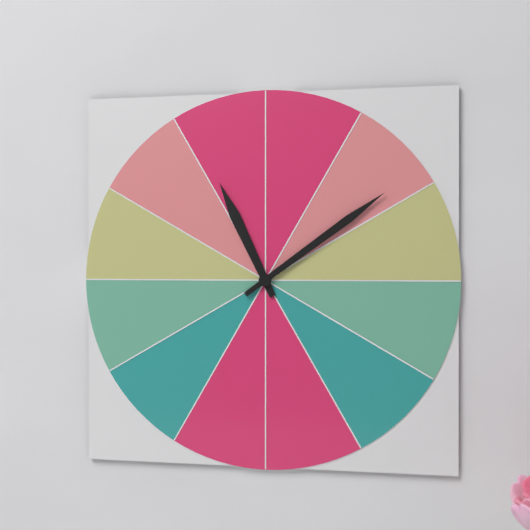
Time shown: {"hour": 11, "minute": 9}
